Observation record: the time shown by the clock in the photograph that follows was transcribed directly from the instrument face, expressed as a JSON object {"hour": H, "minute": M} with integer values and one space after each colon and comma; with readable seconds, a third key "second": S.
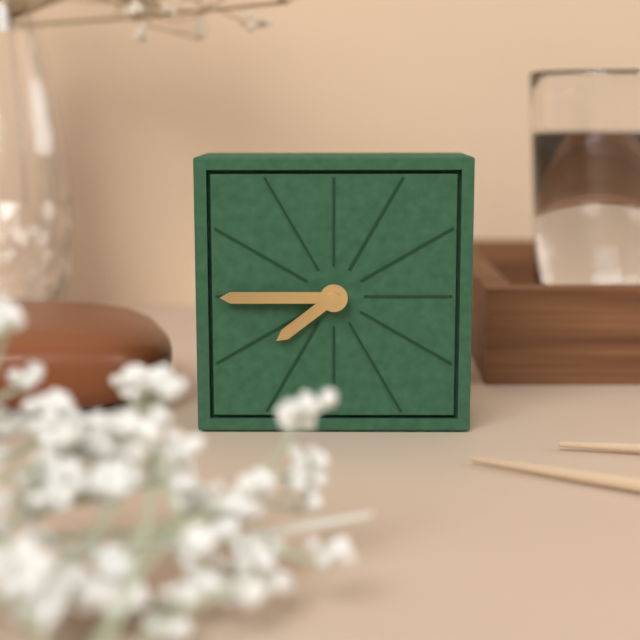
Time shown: {"hour": 7, "minute": 45}
